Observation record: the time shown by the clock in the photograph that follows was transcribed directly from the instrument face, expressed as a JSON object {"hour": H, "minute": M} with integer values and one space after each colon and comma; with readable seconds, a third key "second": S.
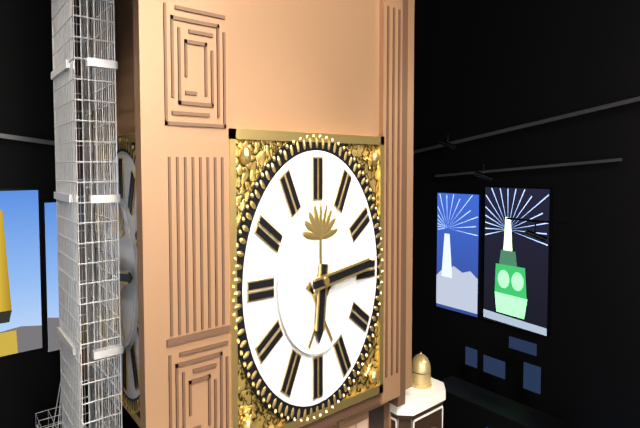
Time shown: {"hour": 6, "minute": 14}
